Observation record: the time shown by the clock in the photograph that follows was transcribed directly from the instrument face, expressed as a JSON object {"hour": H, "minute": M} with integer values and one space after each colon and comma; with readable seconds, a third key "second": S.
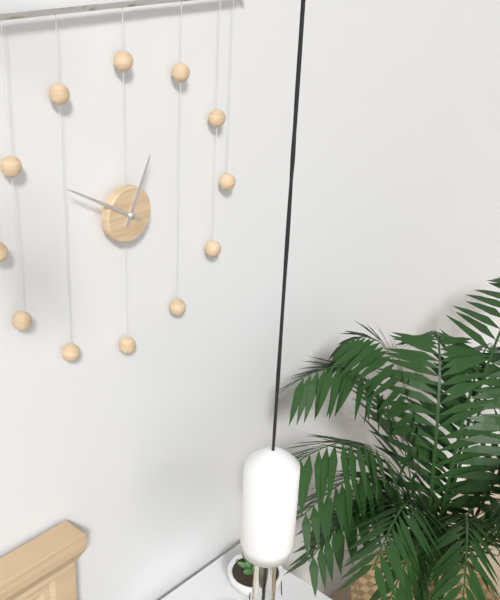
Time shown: {"hour": 12, "minute": 50}
